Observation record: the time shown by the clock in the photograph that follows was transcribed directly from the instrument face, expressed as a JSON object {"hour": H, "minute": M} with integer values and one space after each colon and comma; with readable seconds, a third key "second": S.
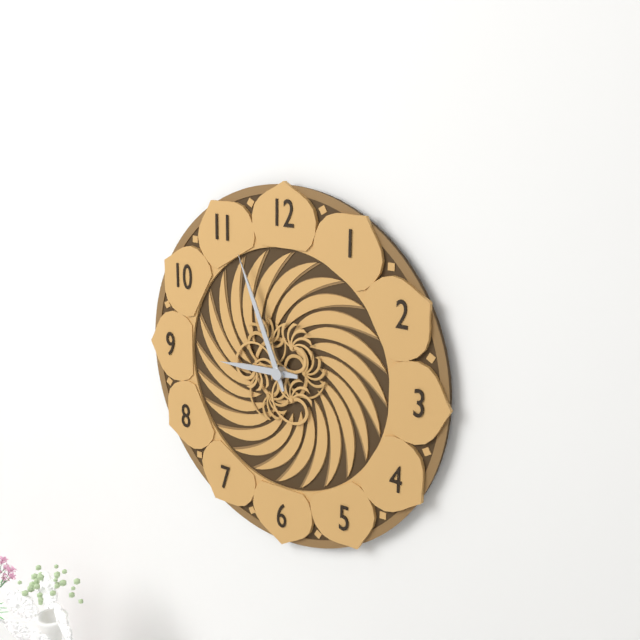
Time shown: {"hour": 8, "minute": 56}
